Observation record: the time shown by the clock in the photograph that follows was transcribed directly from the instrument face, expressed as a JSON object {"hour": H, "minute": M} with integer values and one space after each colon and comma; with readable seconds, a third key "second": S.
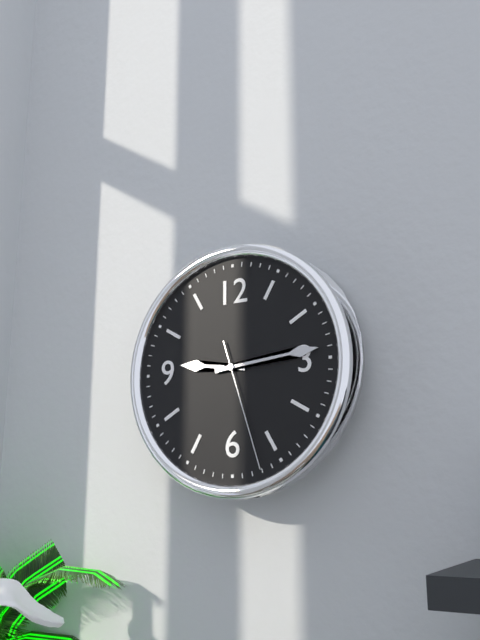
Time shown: {"hour": 9, "minute": 14, "second": 27}
